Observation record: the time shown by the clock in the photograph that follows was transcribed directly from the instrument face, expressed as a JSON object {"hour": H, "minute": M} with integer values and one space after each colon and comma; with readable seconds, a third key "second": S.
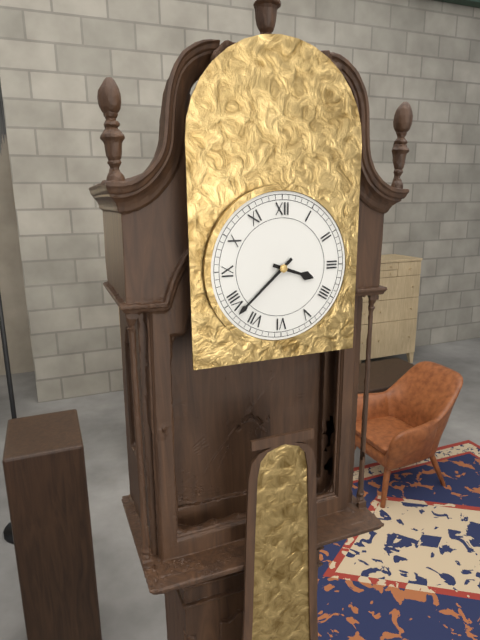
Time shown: {"hour": 3, "minute": 38}
